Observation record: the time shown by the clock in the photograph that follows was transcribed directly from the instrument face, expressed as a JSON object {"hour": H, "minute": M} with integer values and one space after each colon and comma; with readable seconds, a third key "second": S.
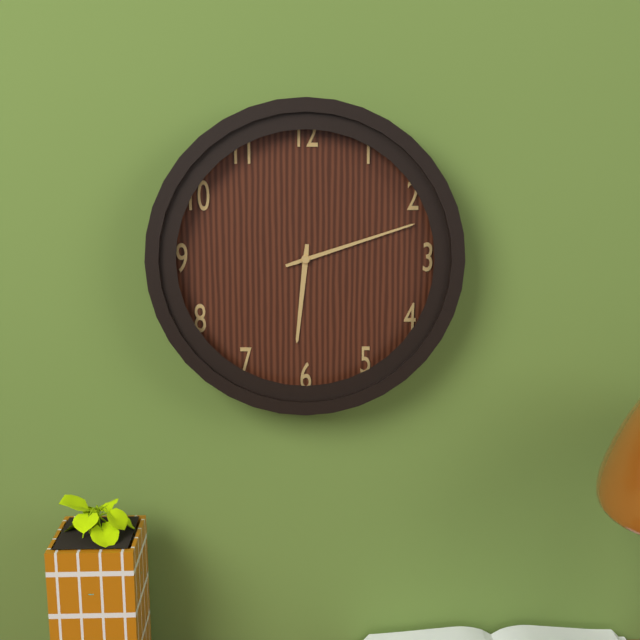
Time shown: {"hour": 6, "minute": 12}
